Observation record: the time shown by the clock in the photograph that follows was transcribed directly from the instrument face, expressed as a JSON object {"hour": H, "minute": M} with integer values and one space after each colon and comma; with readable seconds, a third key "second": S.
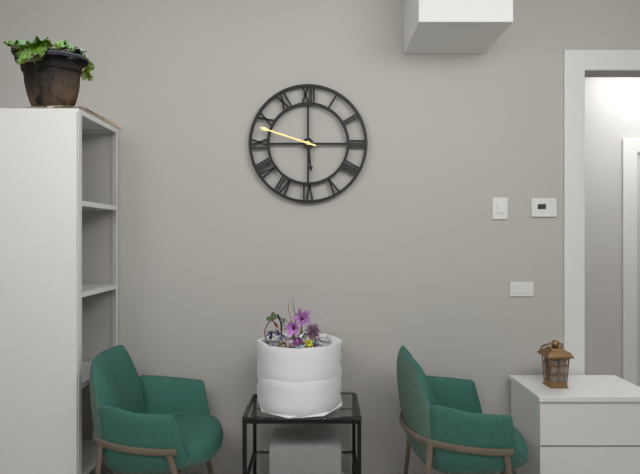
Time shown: {"hour": 5, "minute": 48}
